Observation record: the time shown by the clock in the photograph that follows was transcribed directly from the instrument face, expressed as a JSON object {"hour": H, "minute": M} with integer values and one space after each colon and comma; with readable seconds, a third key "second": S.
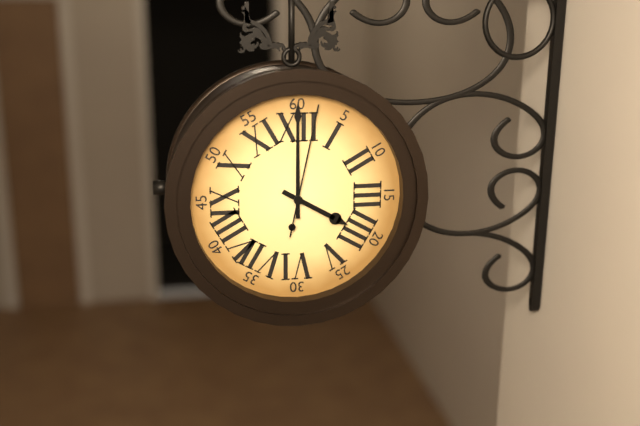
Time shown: {"hour": 4, "minute": 0, "second": 2}
